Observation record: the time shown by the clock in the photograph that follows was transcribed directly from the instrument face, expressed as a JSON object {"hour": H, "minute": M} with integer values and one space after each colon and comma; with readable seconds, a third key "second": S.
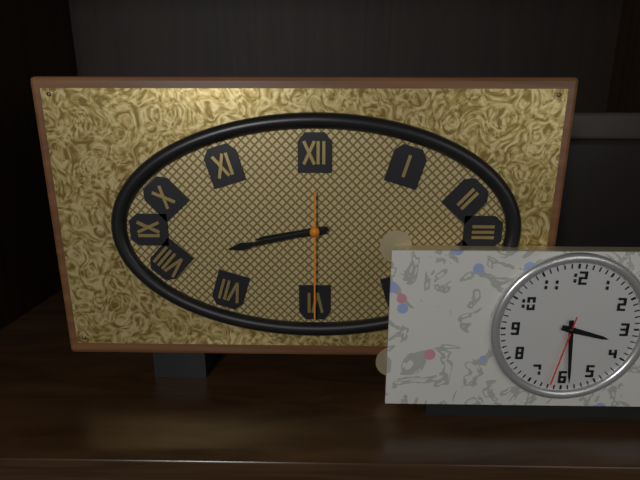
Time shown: {"hour": 8, "minute": 43, "second": 30}
